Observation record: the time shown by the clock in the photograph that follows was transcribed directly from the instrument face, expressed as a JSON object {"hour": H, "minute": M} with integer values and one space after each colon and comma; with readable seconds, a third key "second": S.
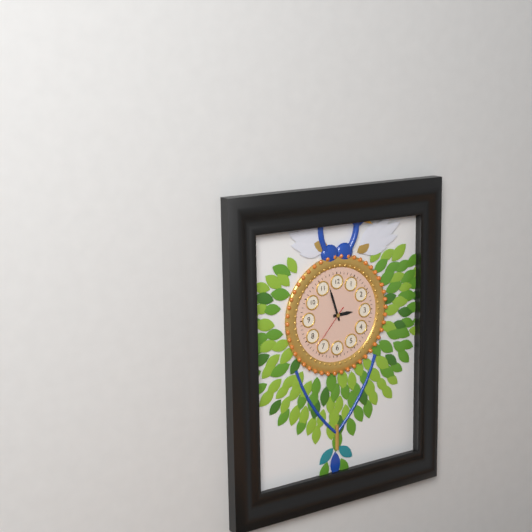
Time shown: {"hour": 2, "minute": 57}
